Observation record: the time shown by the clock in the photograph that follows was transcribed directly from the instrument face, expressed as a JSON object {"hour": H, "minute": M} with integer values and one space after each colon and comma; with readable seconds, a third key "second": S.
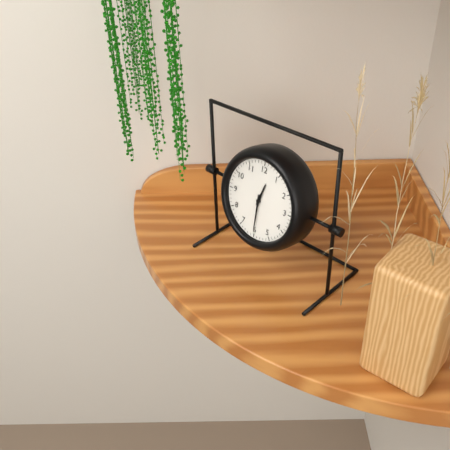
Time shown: {"hour": 12, "minute": 30}
